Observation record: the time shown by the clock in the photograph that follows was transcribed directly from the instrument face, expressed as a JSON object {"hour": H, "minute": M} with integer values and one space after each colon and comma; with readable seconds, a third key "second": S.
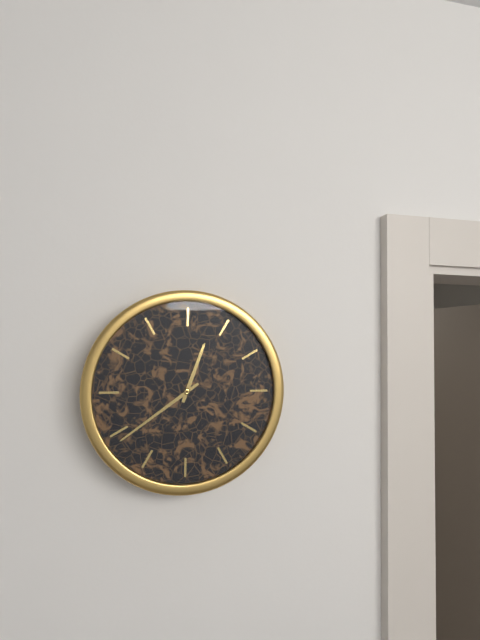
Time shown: {"hour": 12, "minute": 39}
